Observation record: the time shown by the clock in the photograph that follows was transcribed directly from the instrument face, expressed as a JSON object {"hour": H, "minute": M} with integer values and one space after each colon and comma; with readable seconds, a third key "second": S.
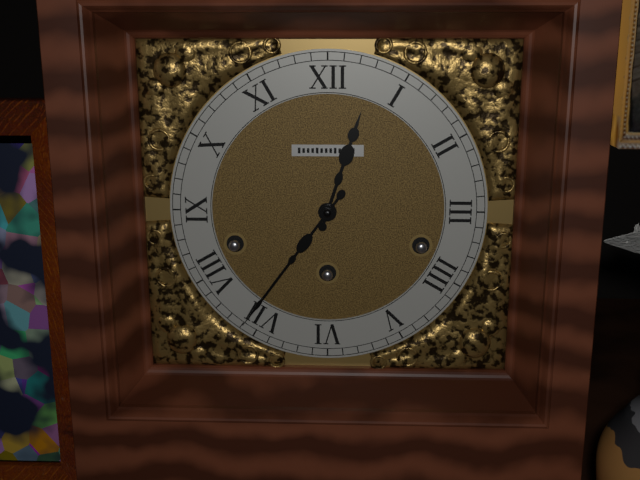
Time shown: {"hour": 12, "minute": 36}
